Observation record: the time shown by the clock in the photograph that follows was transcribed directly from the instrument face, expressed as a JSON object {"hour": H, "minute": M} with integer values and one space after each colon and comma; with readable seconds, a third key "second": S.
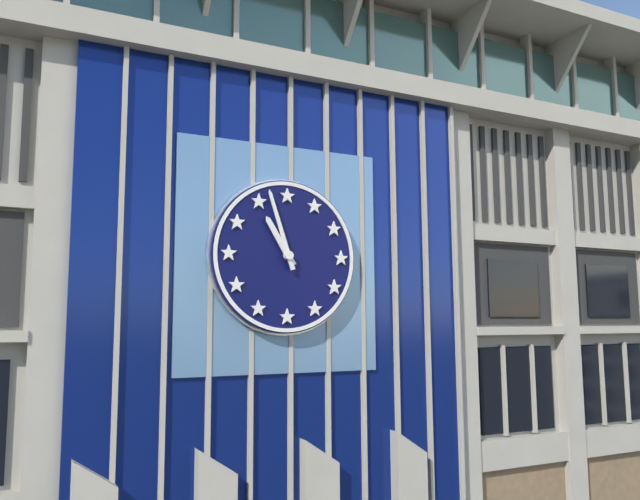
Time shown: {"hour": 10, "minute": 57}
